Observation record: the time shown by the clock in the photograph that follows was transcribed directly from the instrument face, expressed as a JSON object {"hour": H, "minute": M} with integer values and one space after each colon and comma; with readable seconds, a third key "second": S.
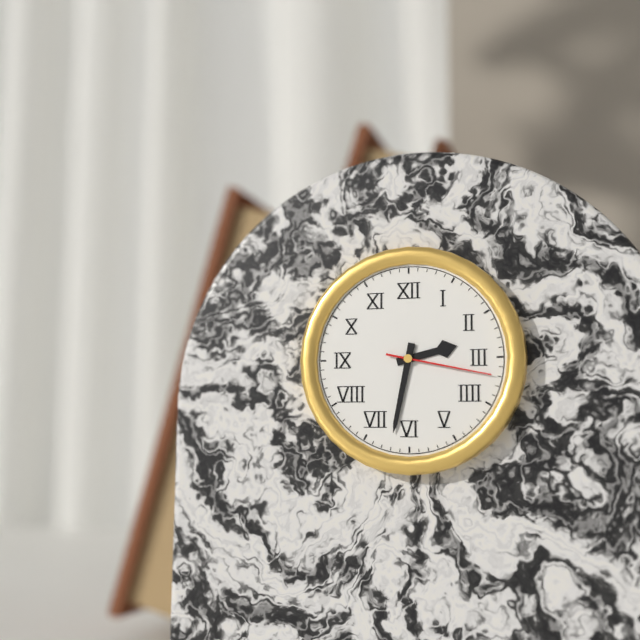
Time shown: {"hour": 2, "minute": 32, "second": 17}
